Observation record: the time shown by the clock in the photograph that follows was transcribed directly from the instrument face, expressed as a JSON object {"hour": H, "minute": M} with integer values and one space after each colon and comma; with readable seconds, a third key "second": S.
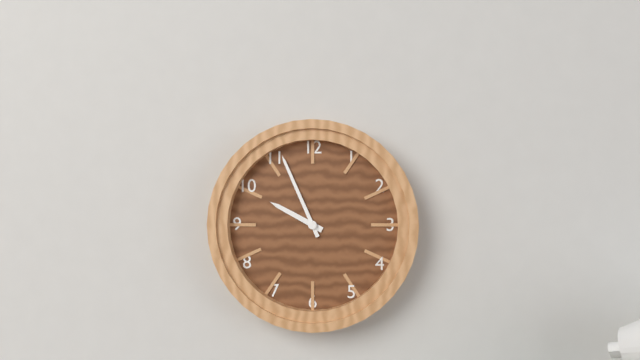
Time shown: {"hour": 9, "minute": 56}
